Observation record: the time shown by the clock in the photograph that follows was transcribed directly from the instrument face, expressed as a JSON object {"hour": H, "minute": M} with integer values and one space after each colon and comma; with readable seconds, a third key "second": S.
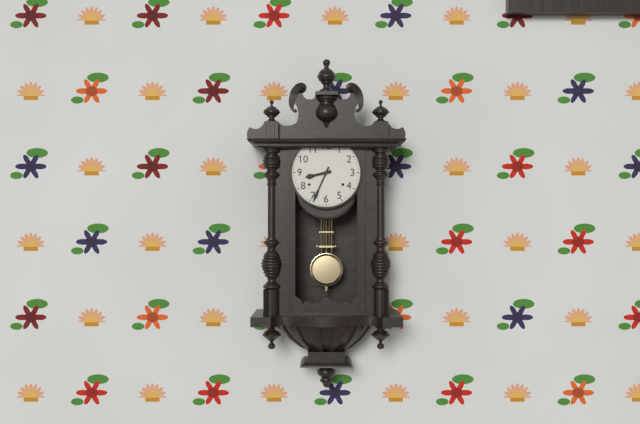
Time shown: {"hour": 8, "minute": 34}
